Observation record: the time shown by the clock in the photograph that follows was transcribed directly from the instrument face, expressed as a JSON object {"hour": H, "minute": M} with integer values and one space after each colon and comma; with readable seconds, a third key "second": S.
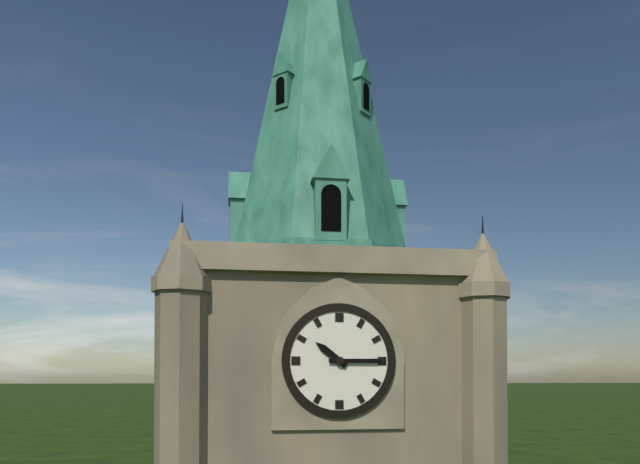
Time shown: {"hour": 10, "minute": 15}
